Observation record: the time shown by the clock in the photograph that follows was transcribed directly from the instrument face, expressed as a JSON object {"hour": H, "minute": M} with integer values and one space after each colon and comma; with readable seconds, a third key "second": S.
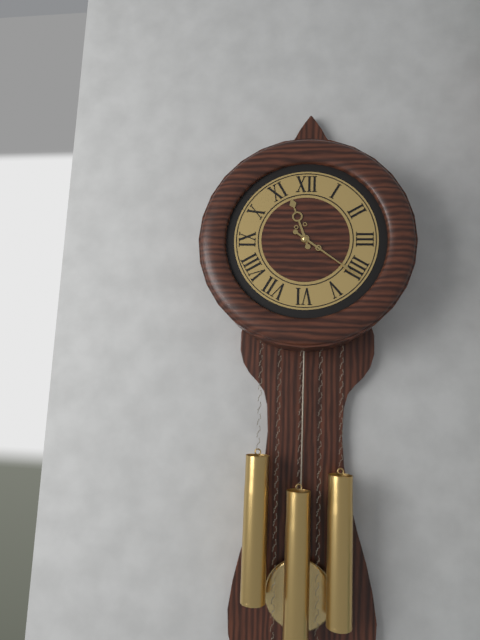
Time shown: {"hour": 11, "minute": 21}
